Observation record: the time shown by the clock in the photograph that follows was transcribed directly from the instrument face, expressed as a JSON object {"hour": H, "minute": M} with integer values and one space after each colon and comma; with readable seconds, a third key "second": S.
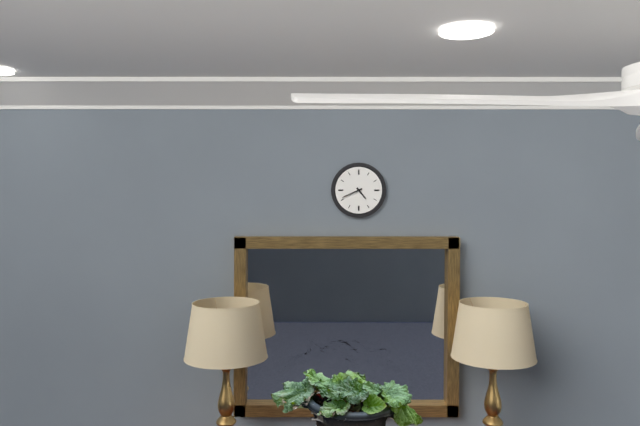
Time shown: {"hour": 4, "minute": 41}
